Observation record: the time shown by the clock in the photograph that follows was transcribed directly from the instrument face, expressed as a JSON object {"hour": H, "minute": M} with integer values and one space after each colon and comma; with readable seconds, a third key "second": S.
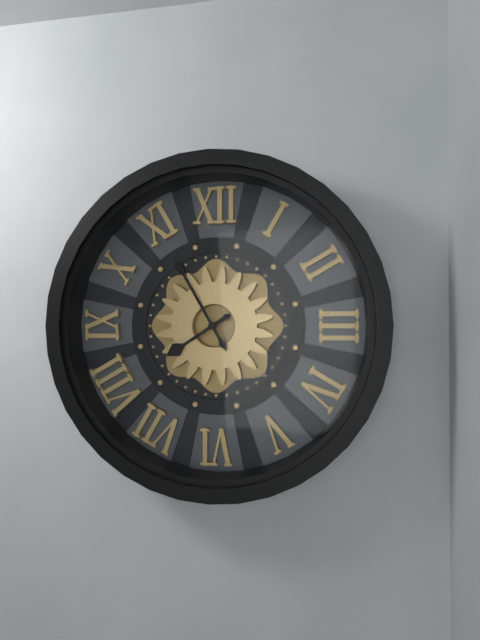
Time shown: {"hour": 7, "minute": 55}
